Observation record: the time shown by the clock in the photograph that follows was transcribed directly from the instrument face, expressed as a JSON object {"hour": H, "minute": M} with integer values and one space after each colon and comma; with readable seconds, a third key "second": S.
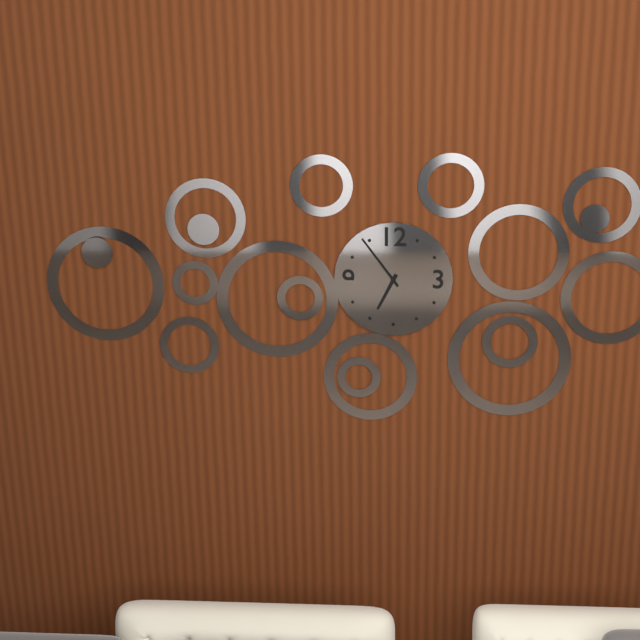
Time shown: {"hour": 6, "minute": 54}
